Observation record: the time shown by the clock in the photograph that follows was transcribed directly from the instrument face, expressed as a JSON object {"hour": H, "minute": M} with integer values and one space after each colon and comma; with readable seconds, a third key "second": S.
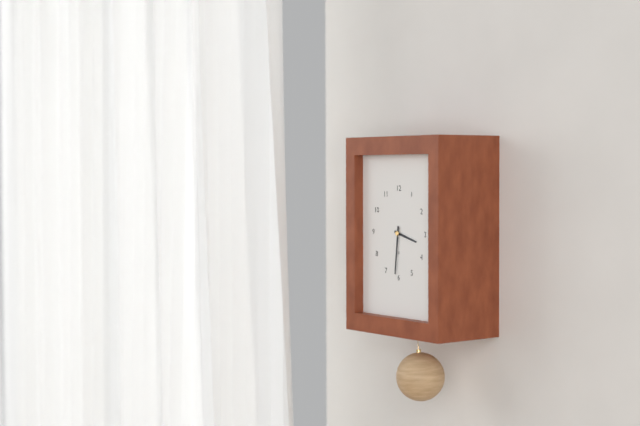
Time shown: {"hour": 3, "minute": 31}
